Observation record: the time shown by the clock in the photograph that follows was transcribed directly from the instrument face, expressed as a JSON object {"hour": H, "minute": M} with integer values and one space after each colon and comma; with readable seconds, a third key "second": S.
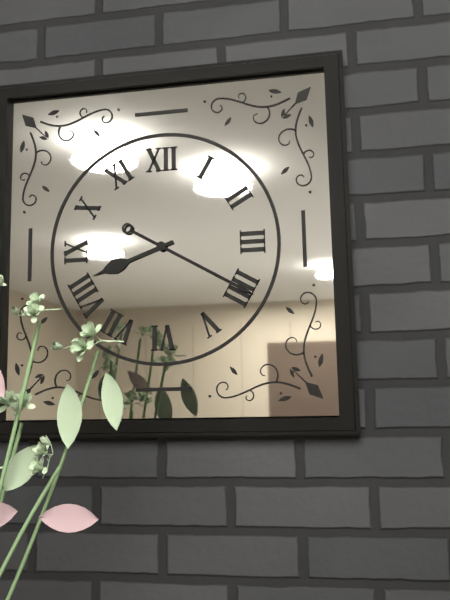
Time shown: {"hour": 8, "minute": 20}
